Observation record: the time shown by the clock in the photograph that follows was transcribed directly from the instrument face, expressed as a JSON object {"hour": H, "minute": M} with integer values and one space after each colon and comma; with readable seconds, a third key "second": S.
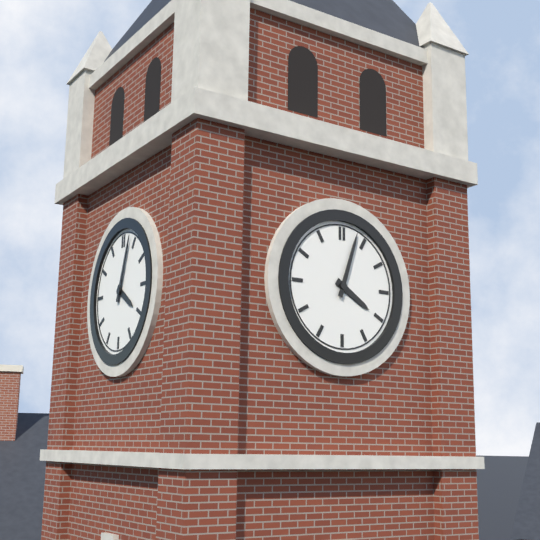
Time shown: {"hour": 4, "minute": 3}
